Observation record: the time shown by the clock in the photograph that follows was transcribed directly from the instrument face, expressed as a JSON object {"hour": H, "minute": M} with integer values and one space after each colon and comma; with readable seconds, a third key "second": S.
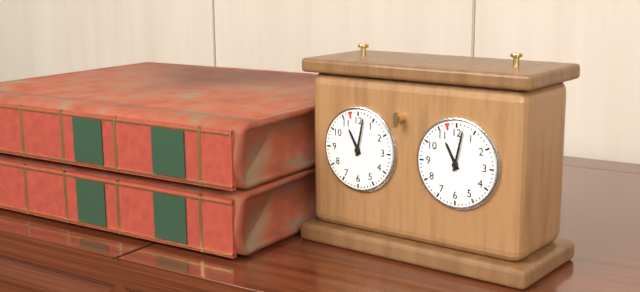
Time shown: {"hour": 11, "minute": 2}
